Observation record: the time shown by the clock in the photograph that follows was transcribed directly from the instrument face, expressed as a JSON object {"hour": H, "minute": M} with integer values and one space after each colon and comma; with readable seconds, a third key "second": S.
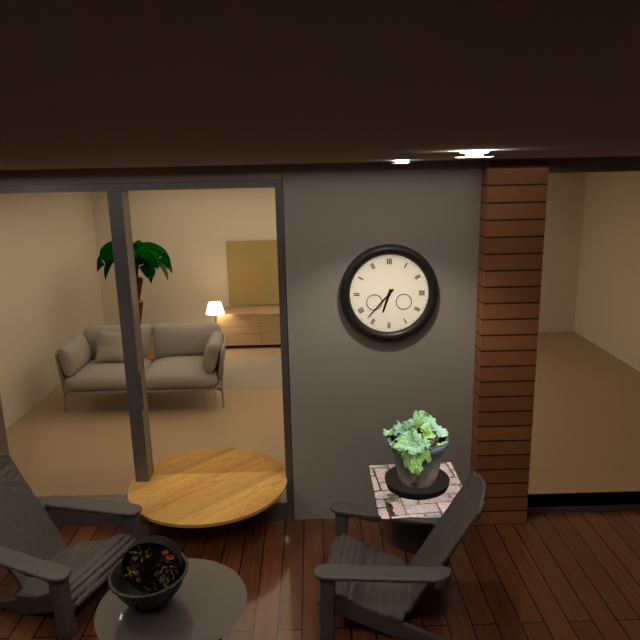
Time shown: {"hour": 6, "minute": 37}
